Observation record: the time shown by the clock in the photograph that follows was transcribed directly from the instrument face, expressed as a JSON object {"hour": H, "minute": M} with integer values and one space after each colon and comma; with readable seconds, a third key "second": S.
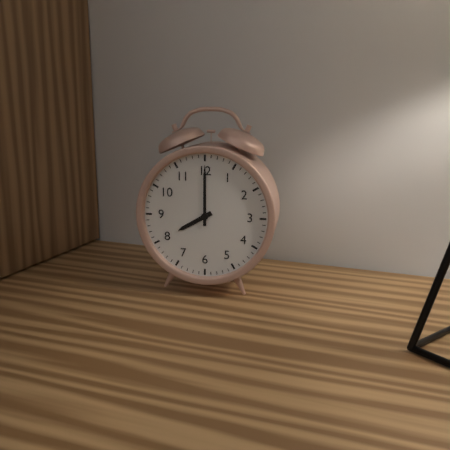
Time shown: {"hour": 8, "minute": 0}
